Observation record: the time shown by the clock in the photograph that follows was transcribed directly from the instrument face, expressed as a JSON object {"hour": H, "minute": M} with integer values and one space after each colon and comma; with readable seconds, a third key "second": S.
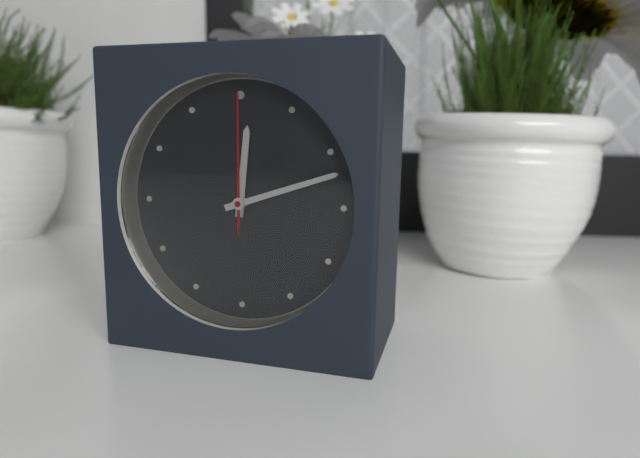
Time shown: {"hour": 12, "minute": 12, "second": 0}
